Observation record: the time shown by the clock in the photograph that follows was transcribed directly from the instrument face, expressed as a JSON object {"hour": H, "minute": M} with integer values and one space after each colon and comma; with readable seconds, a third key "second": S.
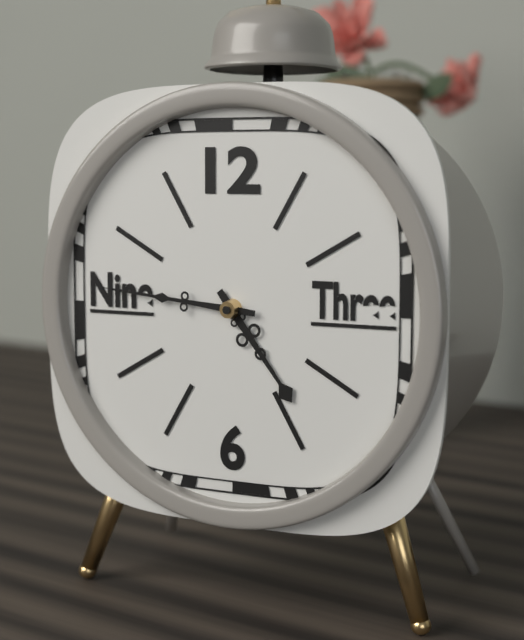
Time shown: {"hour": 4, "minute": 46}
